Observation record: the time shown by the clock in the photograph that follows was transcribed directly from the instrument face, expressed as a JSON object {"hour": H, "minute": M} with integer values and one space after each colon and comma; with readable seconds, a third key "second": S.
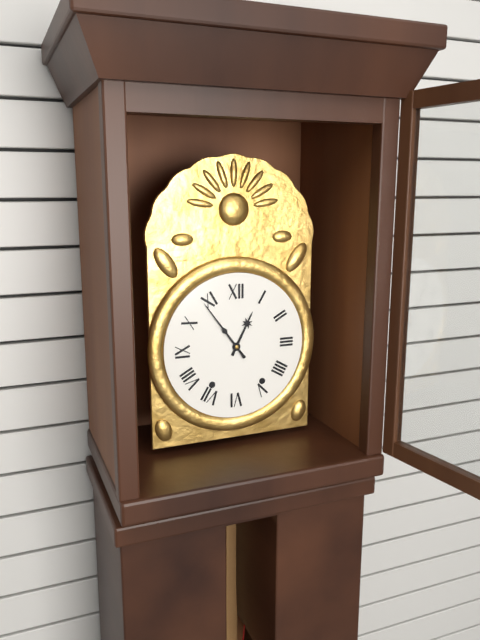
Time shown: {"hour": 12, "minute": 54}
